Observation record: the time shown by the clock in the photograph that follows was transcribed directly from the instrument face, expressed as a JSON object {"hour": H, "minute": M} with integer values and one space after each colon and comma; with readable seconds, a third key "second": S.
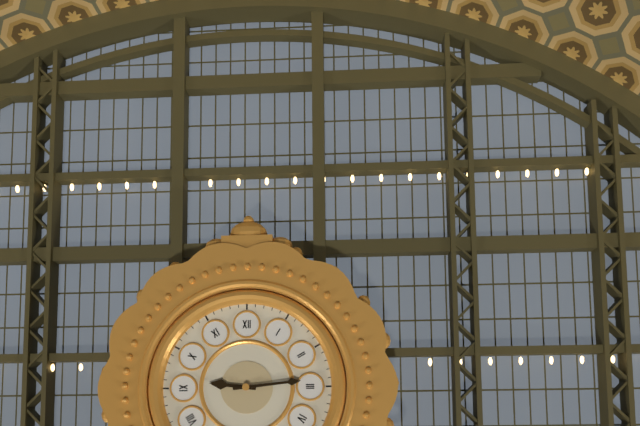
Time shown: {"hour": 9, "minute": 14}
